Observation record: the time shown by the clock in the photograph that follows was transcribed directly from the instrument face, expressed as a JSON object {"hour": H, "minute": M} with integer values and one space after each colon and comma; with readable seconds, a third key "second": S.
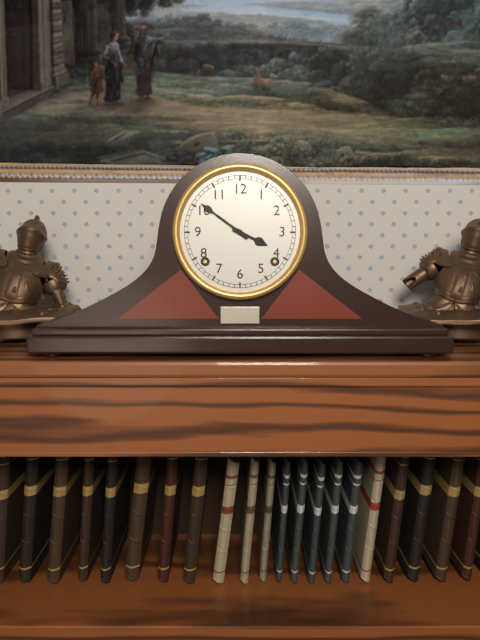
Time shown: {"hour": 3, "minute": 51}
